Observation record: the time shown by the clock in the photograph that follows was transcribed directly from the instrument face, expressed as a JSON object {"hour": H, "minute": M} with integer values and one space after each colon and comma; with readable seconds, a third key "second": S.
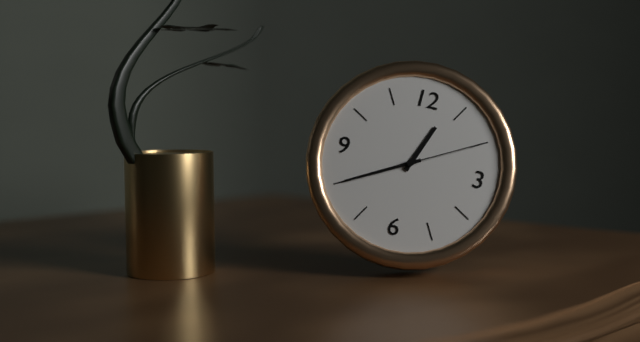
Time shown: {"hour": 12, "minute": 40, "second": 10}
